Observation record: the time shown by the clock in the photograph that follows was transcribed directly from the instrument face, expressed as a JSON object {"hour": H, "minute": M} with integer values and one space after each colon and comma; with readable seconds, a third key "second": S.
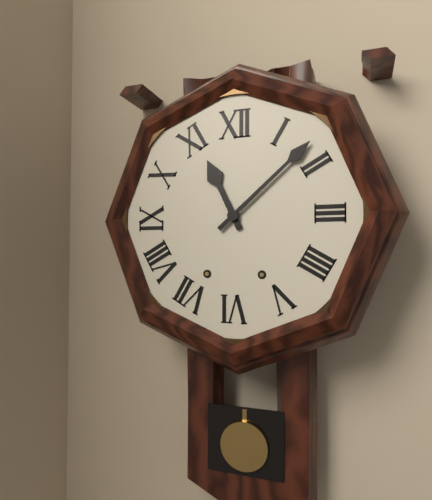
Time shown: {"hour": 11, "minute": 8}
